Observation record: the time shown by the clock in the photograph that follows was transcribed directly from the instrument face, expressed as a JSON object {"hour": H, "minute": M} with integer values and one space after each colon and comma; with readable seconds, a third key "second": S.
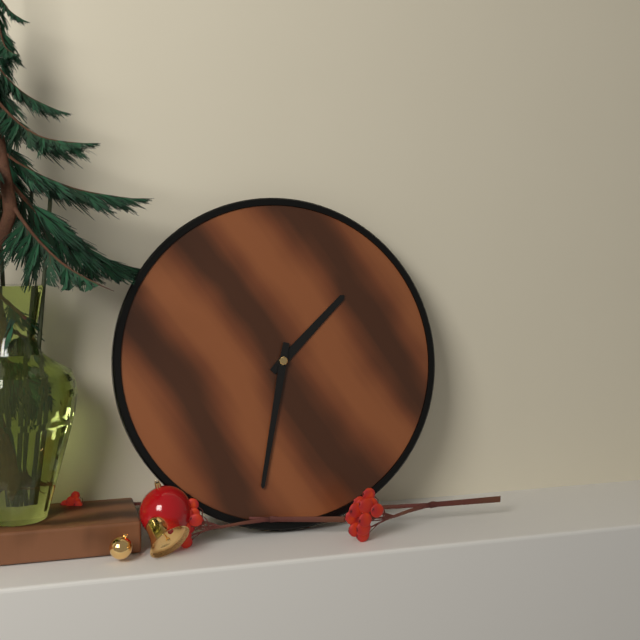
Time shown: {"hour": 1, "minute": 32}
